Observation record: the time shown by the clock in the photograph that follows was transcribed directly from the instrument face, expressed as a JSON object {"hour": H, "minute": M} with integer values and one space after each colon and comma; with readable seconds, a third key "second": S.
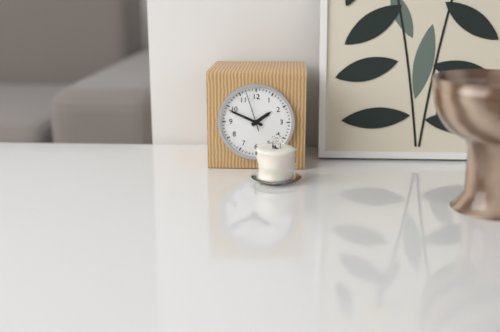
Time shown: {"hour": 1, "minute": 49}
